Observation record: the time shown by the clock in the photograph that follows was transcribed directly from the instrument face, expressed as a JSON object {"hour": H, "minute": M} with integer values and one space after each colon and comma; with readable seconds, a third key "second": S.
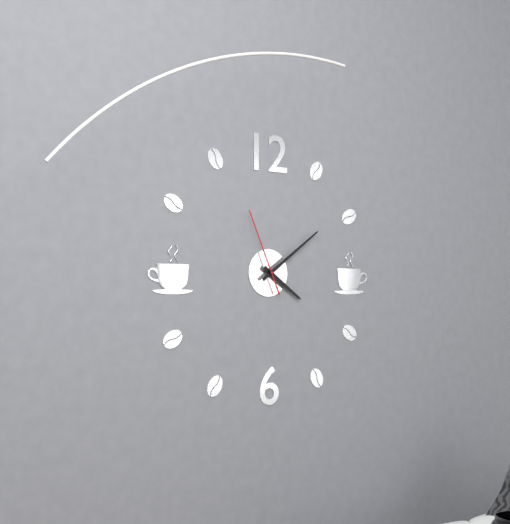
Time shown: {"hour": 4, "minute": 9, "second": 56}
